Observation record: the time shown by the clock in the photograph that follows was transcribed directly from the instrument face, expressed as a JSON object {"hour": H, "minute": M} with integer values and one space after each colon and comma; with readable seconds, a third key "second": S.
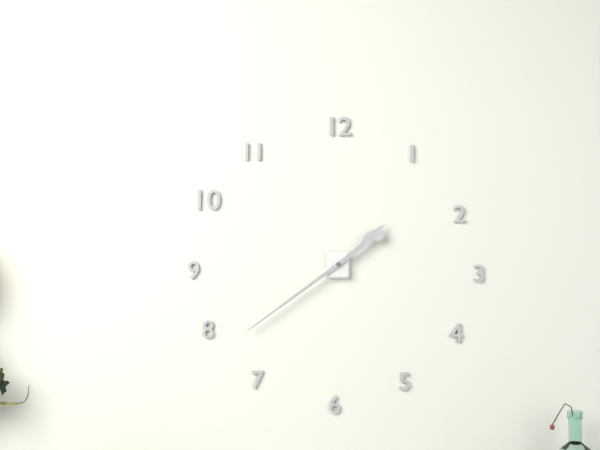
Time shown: {"hour": 1, "minute": 39}
